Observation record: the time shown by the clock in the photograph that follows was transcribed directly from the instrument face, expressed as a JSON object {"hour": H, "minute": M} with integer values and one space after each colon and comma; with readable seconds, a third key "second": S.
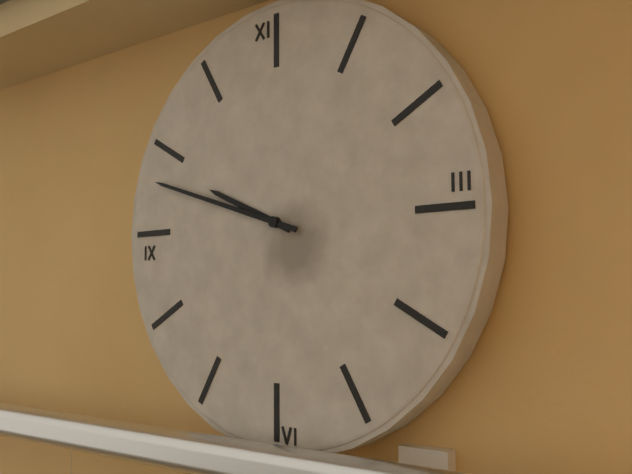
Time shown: {"hour": 9, "minute": 48}
